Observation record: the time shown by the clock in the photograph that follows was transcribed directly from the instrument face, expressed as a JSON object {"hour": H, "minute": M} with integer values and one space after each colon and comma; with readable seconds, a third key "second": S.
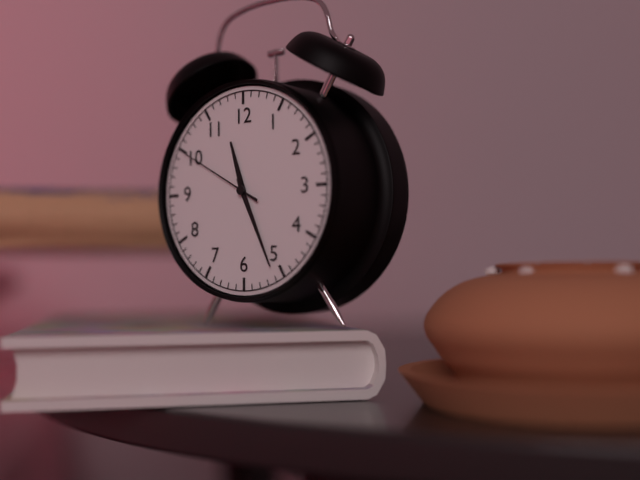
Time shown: {"hour": 11, "minute": 26, "second": 50}
